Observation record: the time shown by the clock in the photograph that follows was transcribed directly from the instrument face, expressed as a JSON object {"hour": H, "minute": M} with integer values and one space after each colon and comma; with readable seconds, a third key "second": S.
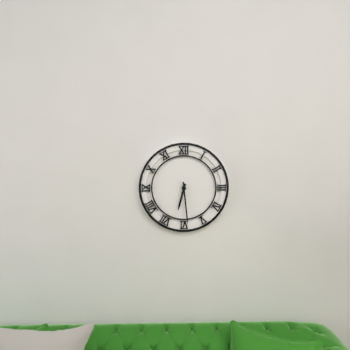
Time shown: {"hour": 6, "minute": 29}
